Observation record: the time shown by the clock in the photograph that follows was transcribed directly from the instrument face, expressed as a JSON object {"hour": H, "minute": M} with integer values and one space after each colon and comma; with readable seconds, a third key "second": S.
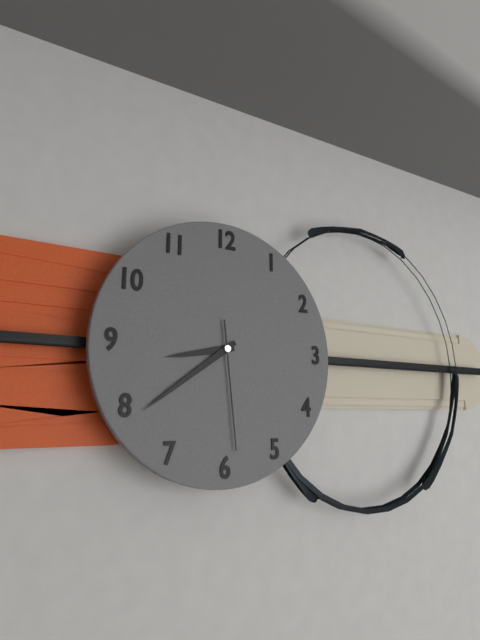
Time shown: {"hour": 8, "minute": 39, "second": 29}
